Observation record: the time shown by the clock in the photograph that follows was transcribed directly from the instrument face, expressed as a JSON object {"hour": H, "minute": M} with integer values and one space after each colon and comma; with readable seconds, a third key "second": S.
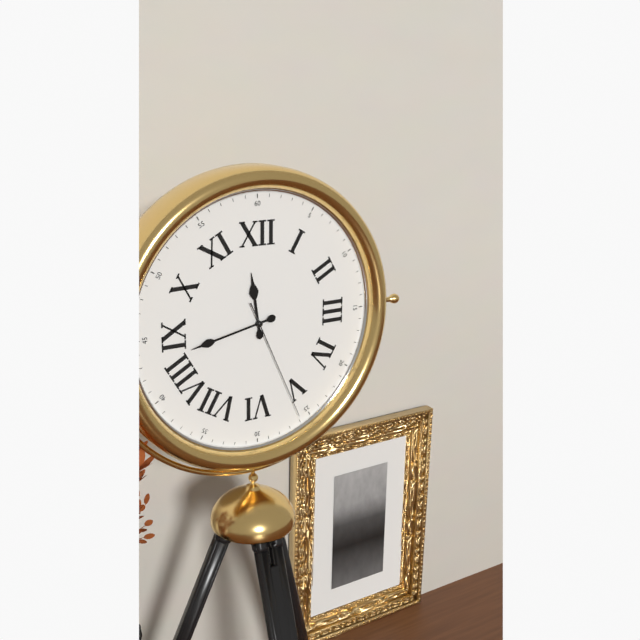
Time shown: {"hour": 11, "minute": 43, "second": 26}
